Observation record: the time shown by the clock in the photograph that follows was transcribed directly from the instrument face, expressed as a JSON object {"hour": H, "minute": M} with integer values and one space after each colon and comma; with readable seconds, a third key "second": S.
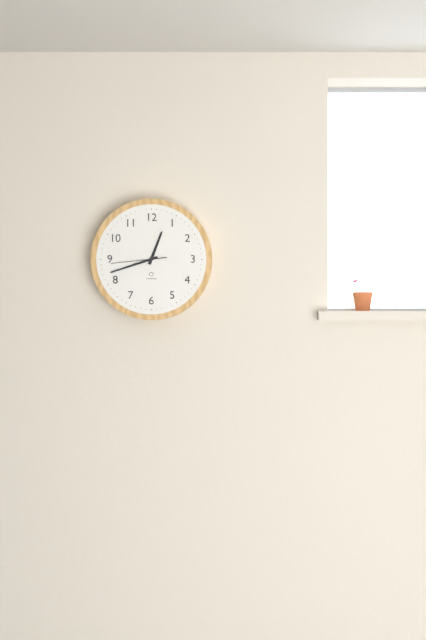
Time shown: {"hour": 12, "minute": 42, "second": 44}
